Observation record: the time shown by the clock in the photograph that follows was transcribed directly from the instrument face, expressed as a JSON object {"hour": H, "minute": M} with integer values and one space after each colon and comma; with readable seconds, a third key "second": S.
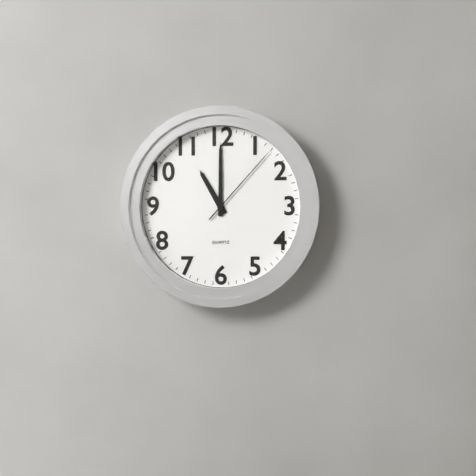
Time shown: {"hour": 11, "minute": 0, "second": 7}
